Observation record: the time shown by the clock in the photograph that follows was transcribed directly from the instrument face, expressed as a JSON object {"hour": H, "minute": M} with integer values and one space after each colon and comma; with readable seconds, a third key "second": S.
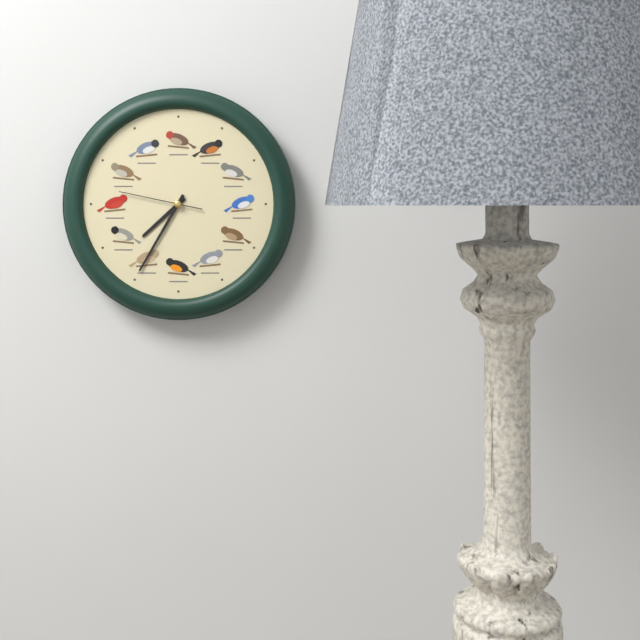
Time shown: {"hour": 7, "minute": 35, "second": 47}
